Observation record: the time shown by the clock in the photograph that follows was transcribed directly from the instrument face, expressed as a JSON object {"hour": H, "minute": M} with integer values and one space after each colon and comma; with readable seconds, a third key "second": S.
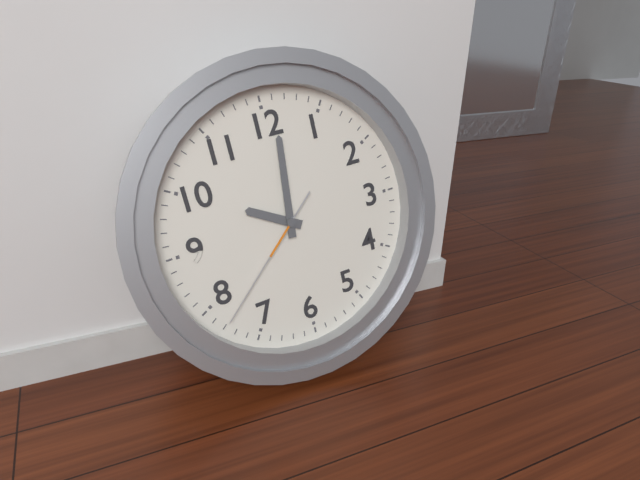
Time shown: {"hour": 10, "minute": 1, "second": 38}
